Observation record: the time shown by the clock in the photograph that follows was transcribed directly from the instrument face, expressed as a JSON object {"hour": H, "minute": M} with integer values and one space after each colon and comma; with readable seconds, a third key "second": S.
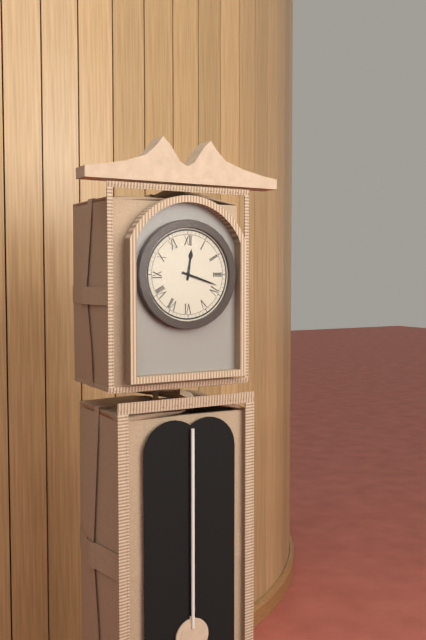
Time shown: {"hour": 12, "minute": 18}
